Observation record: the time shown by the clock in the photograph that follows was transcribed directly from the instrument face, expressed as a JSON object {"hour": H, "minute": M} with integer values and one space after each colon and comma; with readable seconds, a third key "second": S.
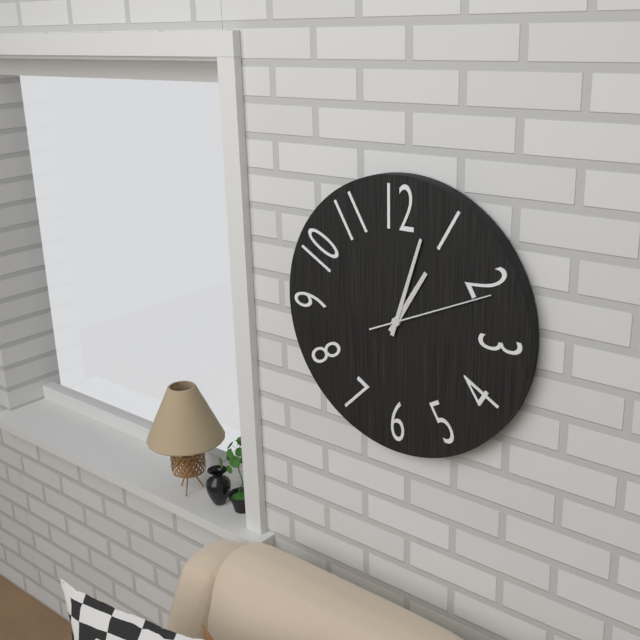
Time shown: {"hour": 1, "minute": 3, "second": 11}
